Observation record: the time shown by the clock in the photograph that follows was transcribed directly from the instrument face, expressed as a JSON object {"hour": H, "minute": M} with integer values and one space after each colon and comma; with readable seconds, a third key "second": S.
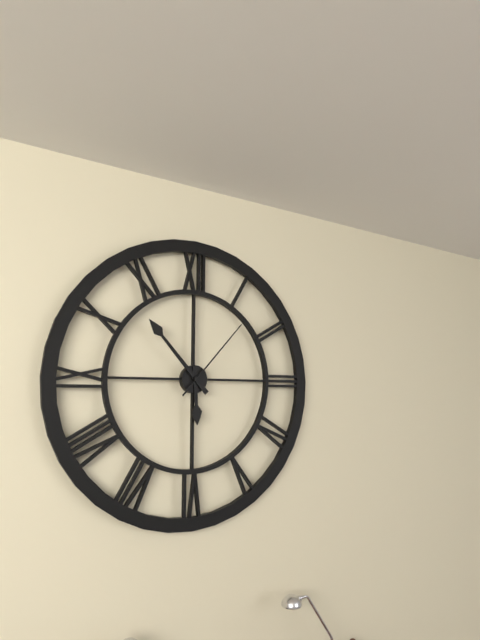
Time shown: {"hour": 5, "minute": 53, "second": 7}
